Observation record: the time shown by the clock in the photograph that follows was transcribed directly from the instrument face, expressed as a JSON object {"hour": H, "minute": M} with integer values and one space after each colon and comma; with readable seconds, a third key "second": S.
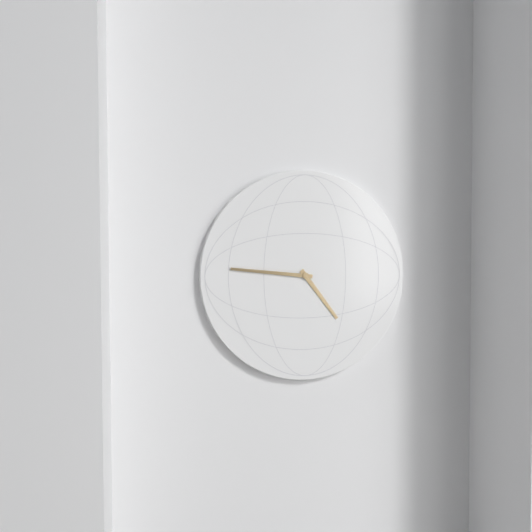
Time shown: {"hour": 4, "minute": 46}
